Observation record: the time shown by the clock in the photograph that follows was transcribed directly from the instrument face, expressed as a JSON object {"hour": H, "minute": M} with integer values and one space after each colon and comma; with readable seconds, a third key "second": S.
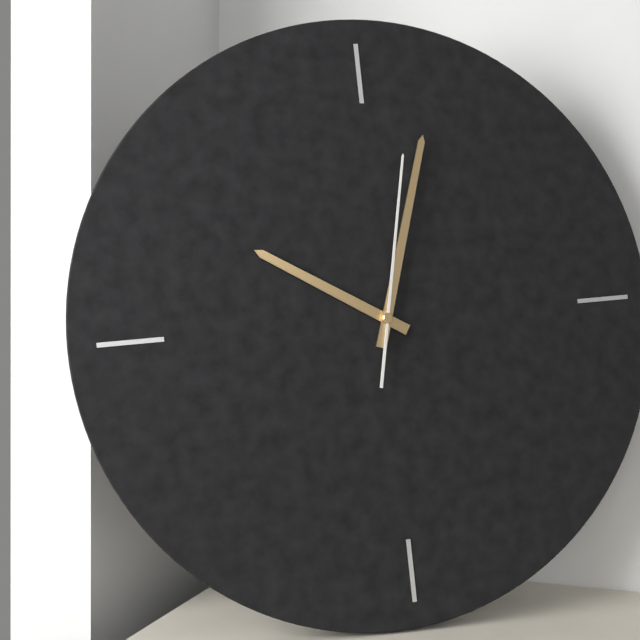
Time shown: {"hour": 10, "minute": 3, "second": 2}
